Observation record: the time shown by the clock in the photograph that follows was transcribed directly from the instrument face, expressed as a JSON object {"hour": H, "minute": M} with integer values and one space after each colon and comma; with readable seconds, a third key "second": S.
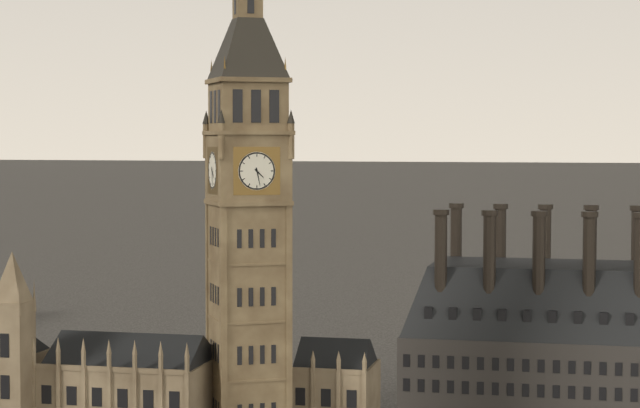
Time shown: {"hour": 4, "minute": 28}
